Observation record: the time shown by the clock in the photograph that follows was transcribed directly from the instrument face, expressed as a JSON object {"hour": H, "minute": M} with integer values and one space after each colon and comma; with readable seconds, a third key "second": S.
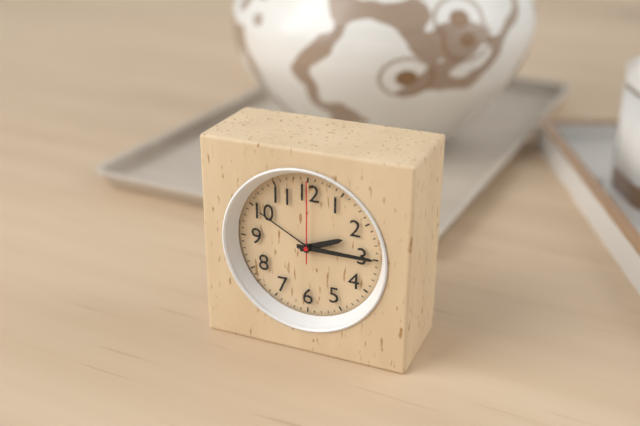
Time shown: {"hour": 2, "minute": 15, "second": 0}
